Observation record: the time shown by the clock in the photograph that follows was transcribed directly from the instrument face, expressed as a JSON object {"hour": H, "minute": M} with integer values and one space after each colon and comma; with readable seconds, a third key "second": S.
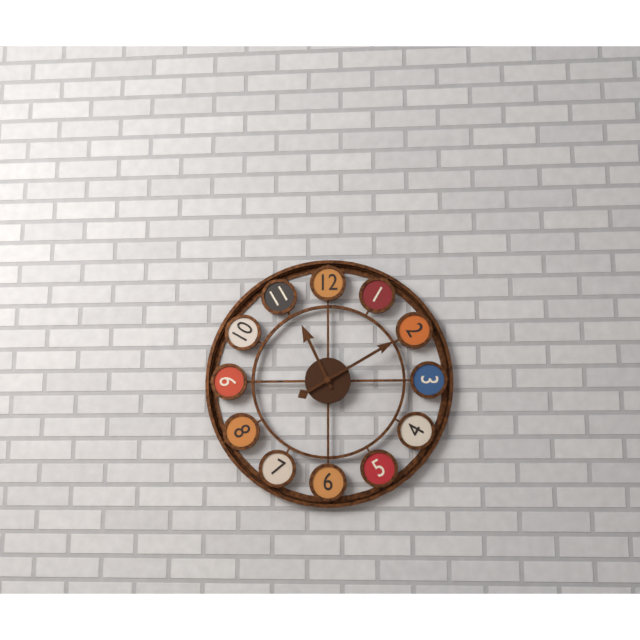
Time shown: {"hour": 11, "minute": 10}
